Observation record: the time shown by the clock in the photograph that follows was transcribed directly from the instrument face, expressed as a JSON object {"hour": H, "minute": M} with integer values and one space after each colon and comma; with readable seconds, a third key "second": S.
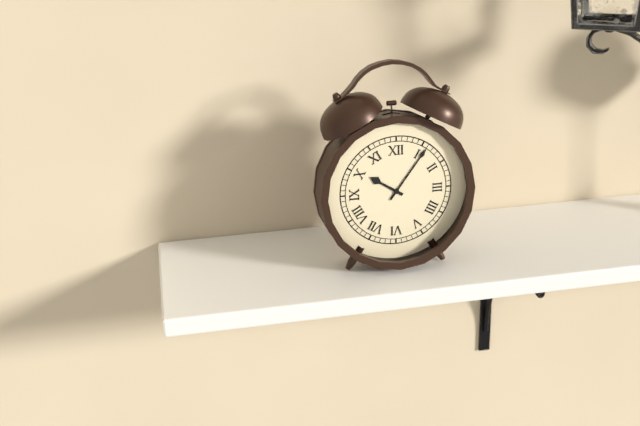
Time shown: {"hour": 10, "minute": 6}
